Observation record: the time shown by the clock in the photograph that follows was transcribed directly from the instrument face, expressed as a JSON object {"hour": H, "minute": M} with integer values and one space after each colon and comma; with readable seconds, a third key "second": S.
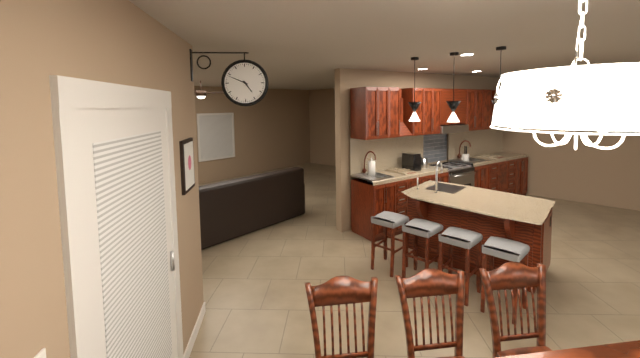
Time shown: {"hour": 4, "minute": 49}
